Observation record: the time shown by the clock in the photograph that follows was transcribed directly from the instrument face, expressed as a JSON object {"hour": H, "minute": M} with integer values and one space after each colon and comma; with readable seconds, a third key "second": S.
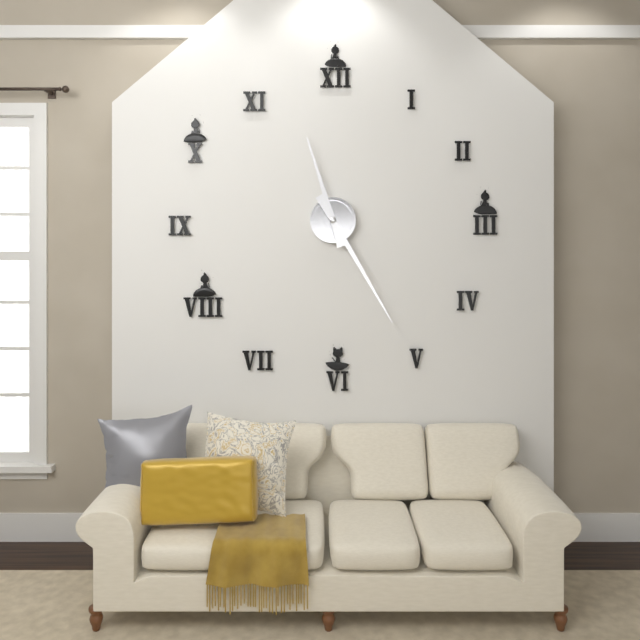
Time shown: {"hour": 11, "minute": 25}
